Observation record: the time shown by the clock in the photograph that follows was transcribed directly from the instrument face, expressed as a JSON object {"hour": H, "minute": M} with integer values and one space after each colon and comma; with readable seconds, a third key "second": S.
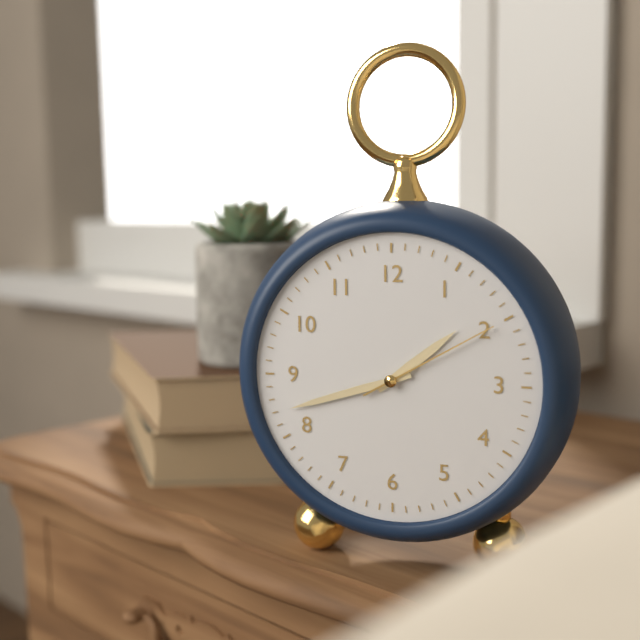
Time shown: {"hour": 1, "minute": 42, "second": 10}
